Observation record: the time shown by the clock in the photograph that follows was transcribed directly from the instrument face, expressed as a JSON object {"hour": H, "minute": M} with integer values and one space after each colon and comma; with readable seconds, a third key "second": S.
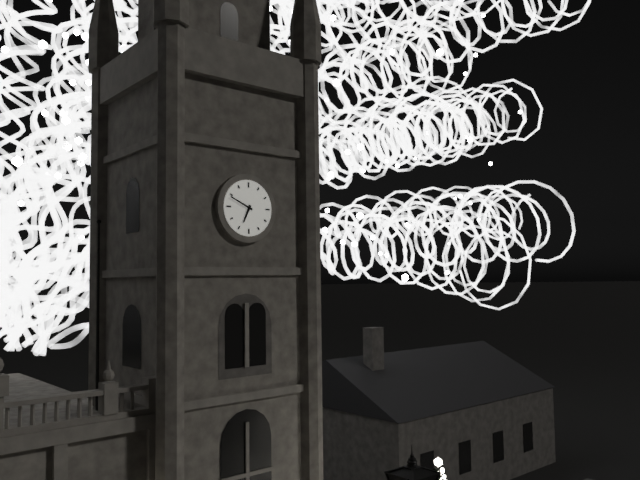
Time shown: {"hour": 6, "minute": 49}
